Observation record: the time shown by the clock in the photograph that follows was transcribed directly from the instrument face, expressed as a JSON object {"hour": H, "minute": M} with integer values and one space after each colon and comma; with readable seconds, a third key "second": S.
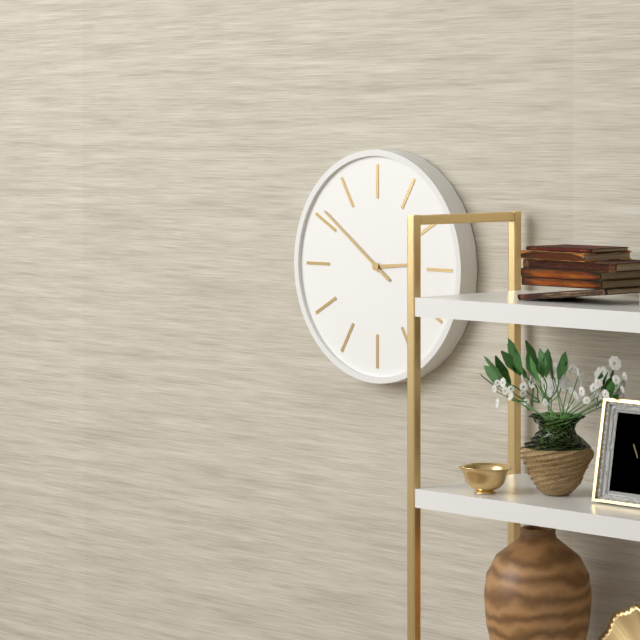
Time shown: {"hour": 2, "minute": 51}
